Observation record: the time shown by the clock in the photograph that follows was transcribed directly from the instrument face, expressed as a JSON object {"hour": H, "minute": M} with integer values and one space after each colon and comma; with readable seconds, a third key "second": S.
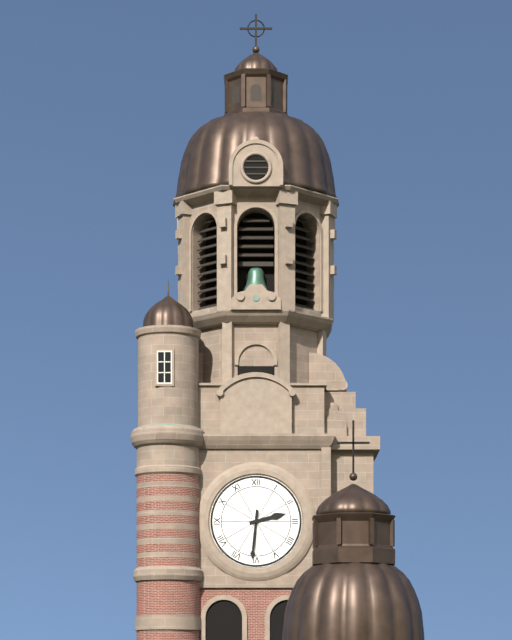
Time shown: {"hour": 2, "minute": 31}
